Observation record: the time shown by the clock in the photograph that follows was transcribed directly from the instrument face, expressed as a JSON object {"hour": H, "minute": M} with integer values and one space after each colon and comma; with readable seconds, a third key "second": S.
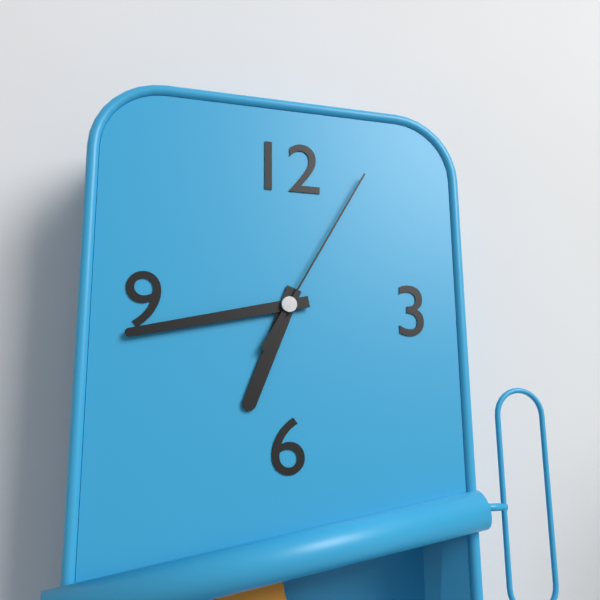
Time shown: {"hour": 6, "minute": 43, "second": 5}
